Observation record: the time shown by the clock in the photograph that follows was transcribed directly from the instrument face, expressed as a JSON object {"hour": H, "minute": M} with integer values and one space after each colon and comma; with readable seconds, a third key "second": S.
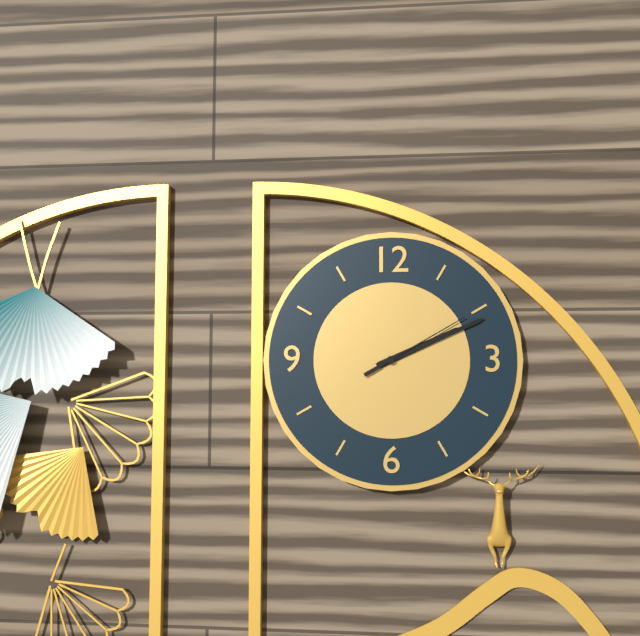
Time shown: {"hour": 2, "minute": 11, "second": 10}
